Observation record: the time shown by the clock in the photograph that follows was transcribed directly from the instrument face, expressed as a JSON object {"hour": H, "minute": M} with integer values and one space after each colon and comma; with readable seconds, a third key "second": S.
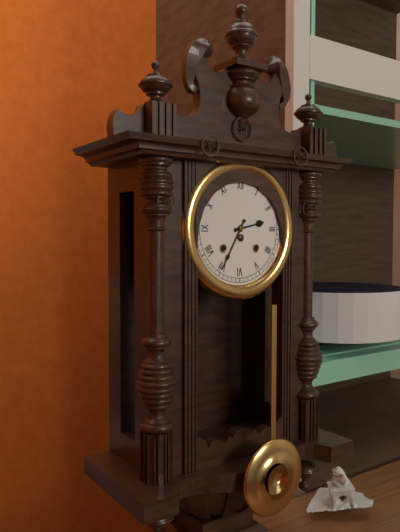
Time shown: {"hour": 2, "minute": 35}
